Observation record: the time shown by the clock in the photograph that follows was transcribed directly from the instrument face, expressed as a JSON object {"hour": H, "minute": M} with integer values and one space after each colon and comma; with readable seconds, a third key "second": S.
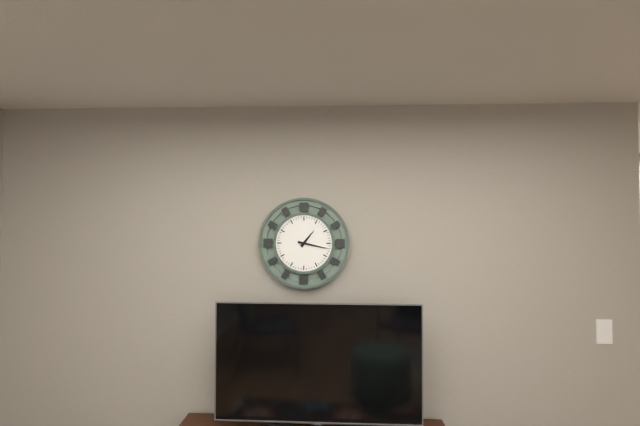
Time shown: {"hour": 1, "minute": 17}
